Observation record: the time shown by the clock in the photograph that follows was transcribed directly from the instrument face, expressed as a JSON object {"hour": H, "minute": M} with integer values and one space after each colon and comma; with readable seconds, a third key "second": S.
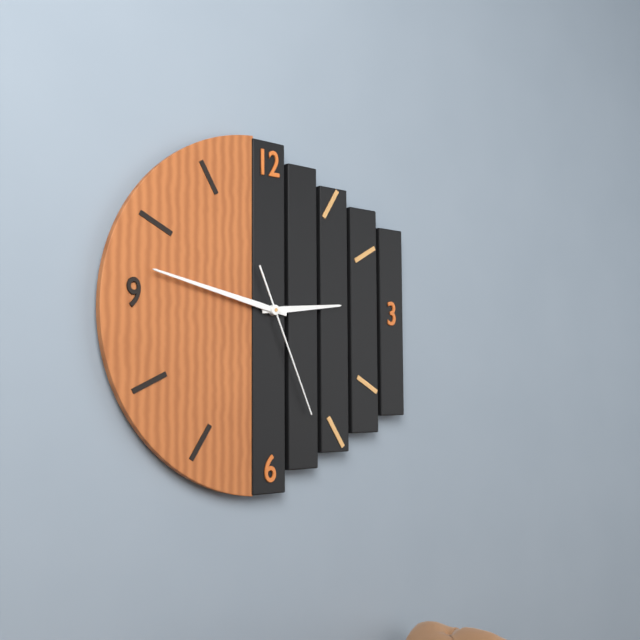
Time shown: {"hour": 2, "minute": 47, "second": 26}
